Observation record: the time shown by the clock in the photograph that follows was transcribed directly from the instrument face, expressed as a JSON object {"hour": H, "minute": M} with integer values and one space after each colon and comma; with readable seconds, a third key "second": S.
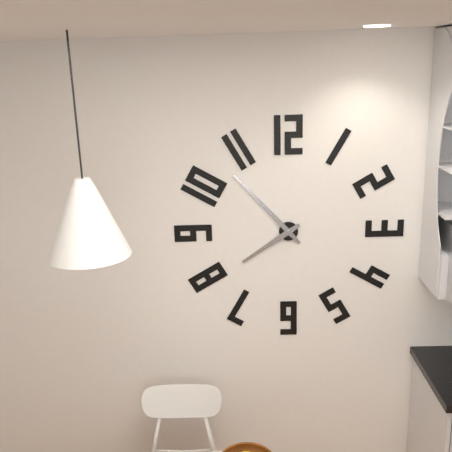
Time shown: {"hour": 7, "minute": 53}
